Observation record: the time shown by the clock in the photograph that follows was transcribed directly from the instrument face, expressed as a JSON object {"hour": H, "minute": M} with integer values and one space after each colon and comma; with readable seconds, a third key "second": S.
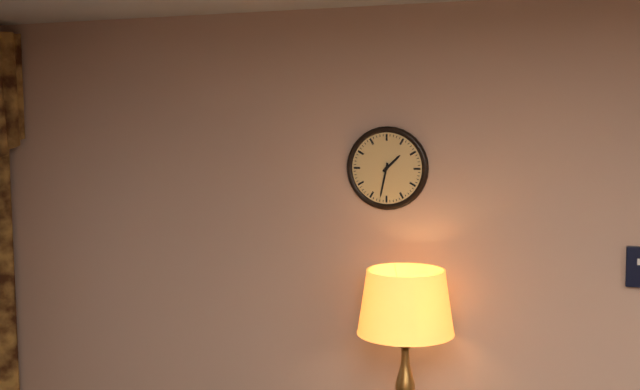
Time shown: {"hour": 1, "minute": 32}
